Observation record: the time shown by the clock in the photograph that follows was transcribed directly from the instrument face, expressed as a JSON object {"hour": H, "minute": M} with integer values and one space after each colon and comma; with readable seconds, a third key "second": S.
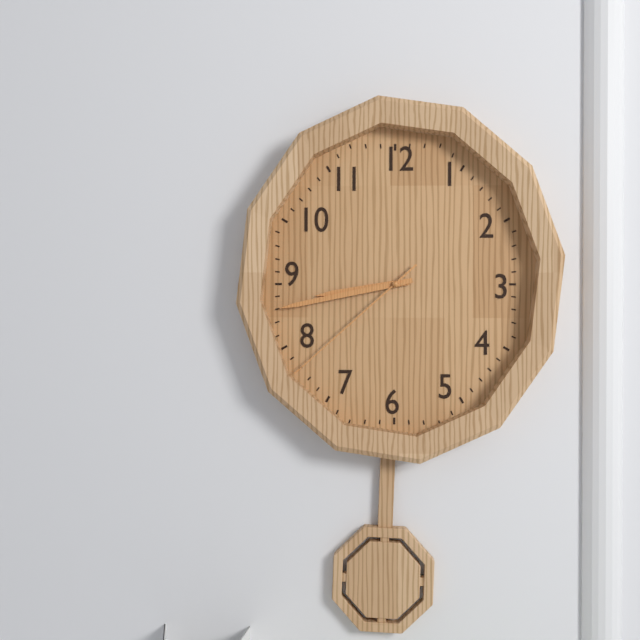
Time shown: {"hour": 8, "minute": 43, "second": 38}
